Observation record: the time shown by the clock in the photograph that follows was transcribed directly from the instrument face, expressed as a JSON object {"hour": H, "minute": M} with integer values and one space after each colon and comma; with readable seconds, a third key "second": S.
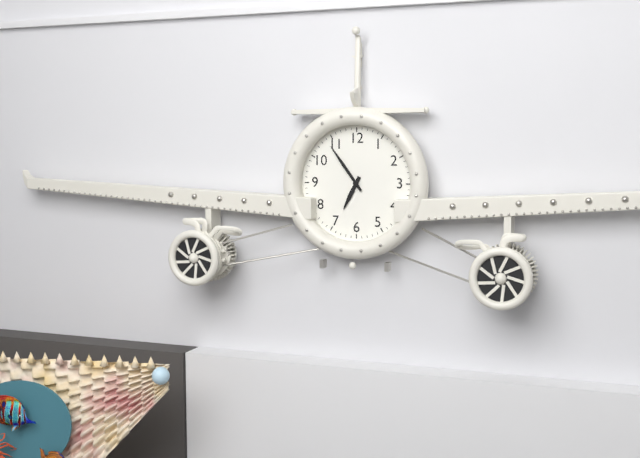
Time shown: {"hour": 6, "minute": 54}
